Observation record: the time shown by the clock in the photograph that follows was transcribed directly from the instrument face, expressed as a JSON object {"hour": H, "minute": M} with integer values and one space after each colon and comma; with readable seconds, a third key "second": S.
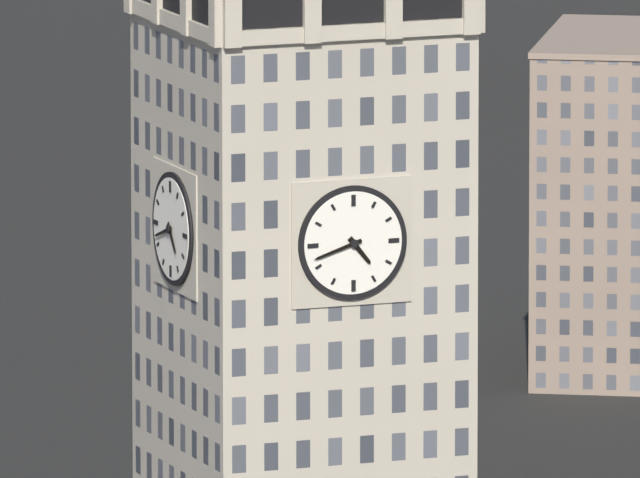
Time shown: {"hour": 4, "minute": 42}
